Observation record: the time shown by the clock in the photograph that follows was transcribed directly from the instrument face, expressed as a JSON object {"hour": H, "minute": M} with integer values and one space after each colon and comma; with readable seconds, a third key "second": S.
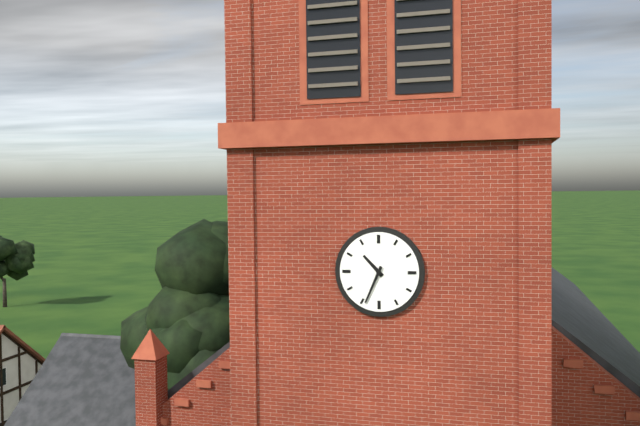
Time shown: {"hour": 10, "minute": 34}
